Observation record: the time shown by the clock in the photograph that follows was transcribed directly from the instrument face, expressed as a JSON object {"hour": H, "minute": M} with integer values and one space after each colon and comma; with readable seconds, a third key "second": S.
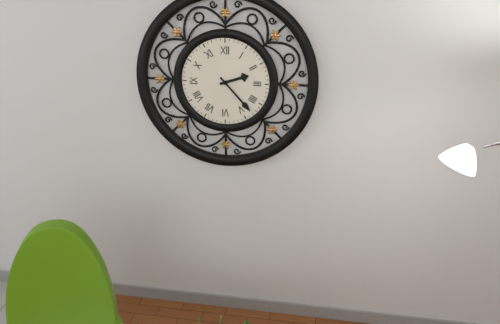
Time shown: {"hour": 2, "minute": 23}
